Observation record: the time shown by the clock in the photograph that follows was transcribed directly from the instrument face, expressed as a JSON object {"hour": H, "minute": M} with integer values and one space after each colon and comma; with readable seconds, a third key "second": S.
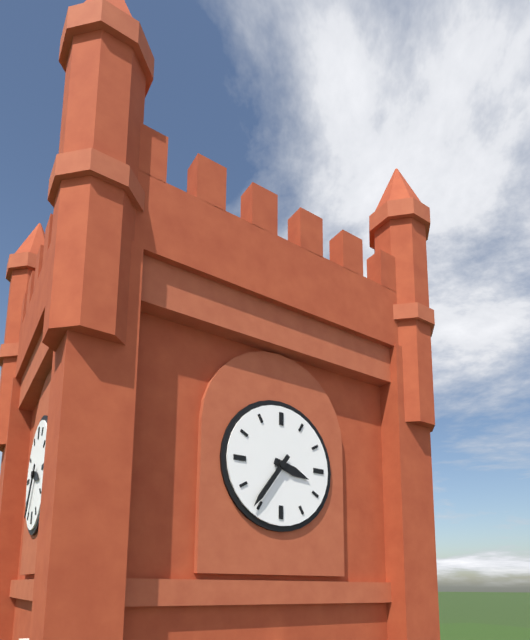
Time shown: {"hour": 3, "minute": 36}
